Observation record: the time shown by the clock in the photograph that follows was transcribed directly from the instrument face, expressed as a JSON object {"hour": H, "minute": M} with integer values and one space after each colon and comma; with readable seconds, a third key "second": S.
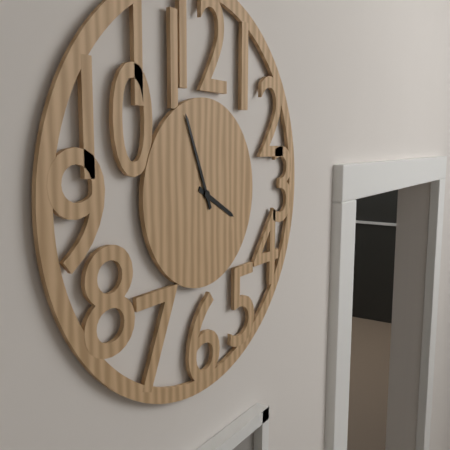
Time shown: {"hour": 3, "minute": 56}
